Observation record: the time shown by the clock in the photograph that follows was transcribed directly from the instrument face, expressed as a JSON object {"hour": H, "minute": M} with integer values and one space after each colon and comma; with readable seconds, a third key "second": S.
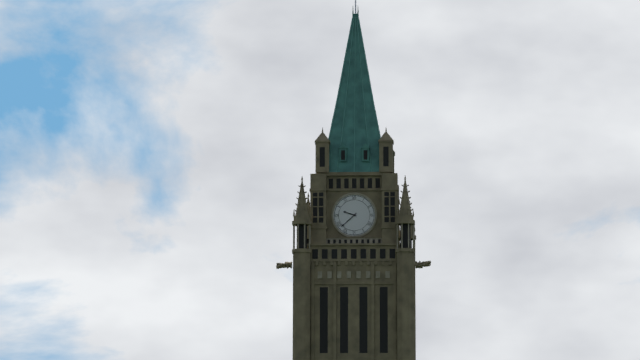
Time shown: {"hour": 9, "minute": 38}
